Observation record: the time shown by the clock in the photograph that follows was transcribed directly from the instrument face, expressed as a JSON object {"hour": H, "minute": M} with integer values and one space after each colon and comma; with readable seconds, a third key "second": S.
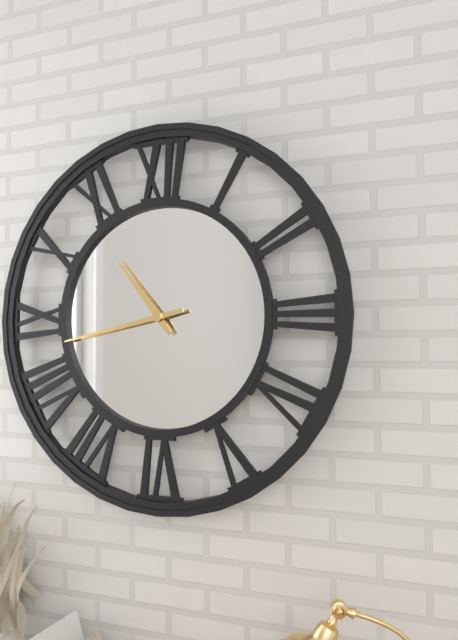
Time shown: {"hour": 10, "minute": 43}
